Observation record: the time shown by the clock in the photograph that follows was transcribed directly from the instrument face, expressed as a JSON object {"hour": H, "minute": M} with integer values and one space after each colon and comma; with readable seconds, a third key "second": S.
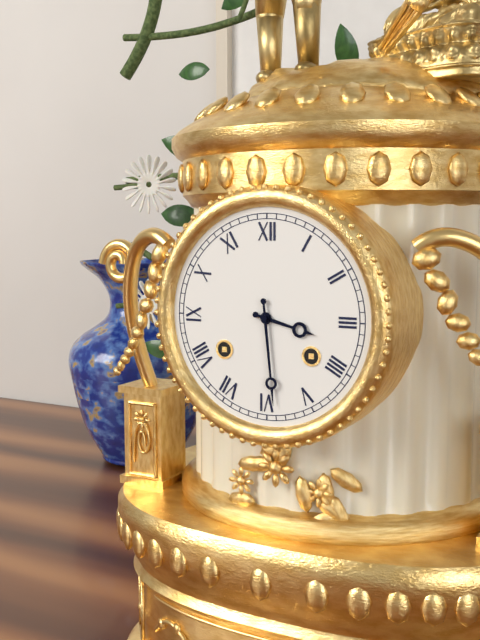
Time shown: {"hour": 3, "minute": 29}
